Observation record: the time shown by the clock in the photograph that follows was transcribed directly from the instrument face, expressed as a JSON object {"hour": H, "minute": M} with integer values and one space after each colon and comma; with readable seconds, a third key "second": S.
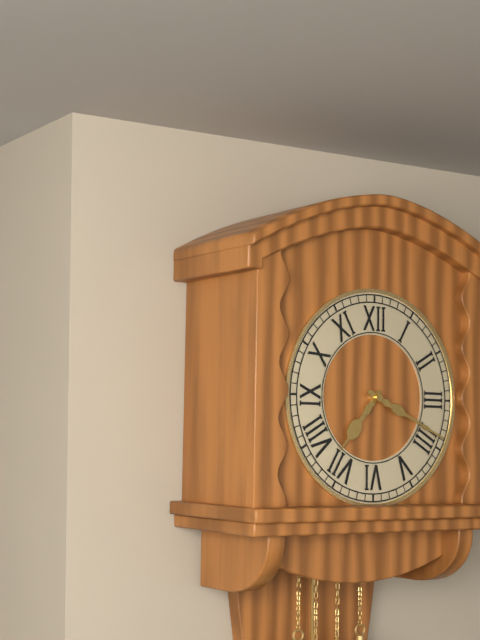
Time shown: {"hour": 7, "minute": 19}
